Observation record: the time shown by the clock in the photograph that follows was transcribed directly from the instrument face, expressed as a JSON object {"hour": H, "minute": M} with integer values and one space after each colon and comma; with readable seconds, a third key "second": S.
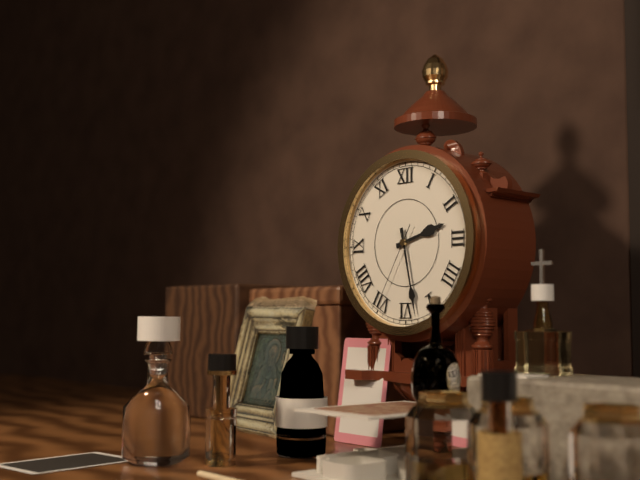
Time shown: {"hour": 2, "minute": 28, "second": 35}
